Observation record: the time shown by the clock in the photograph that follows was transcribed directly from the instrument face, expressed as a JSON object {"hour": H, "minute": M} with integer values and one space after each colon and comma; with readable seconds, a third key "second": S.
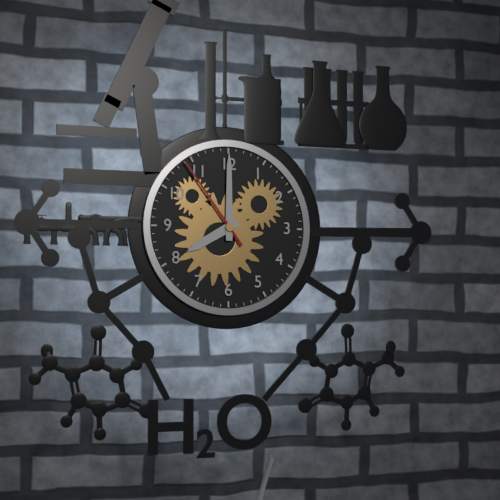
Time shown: {"hour": 8, "minute": 0, "second": 54}
